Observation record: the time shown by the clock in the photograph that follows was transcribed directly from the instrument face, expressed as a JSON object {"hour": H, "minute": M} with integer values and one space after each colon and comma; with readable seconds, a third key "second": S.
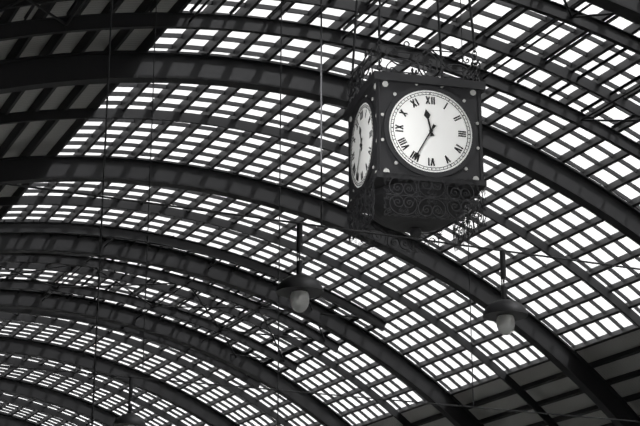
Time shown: {"hour": 11, "minute": 35}
